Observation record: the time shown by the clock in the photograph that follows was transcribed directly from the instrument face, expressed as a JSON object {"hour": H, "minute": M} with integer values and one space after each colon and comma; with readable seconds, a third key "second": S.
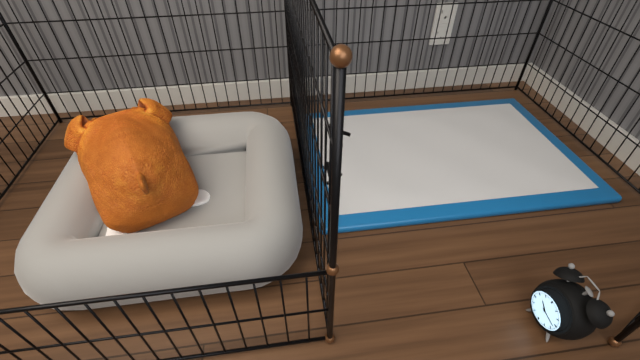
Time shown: {"hour": 10, "minute": 17}
